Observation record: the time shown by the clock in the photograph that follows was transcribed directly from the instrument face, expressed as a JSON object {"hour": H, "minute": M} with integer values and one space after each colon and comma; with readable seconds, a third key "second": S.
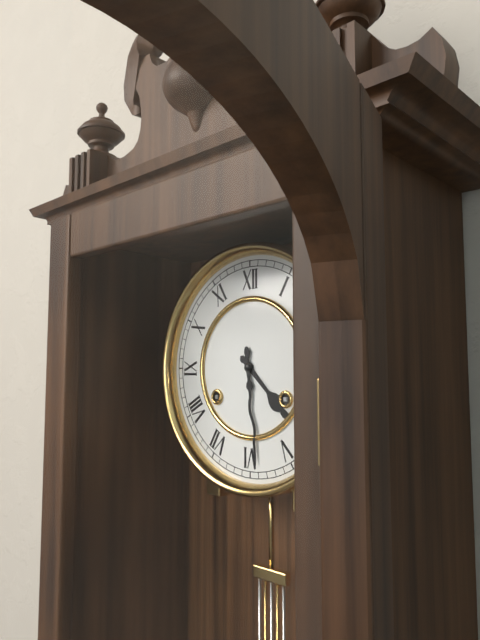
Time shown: {"hour": 4, "minute": 29}
